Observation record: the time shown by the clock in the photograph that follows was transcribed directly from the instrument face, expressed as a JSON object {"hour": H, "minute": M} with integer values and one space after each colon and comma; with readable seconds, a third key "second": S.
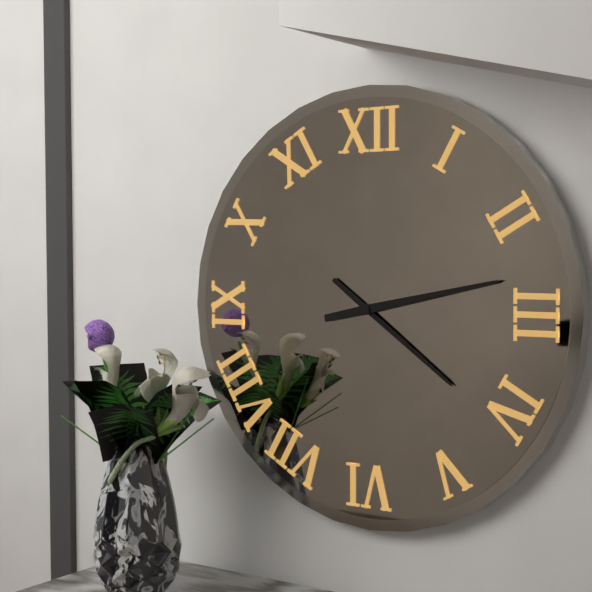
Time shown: {"hour": 4, "minute": 13}
